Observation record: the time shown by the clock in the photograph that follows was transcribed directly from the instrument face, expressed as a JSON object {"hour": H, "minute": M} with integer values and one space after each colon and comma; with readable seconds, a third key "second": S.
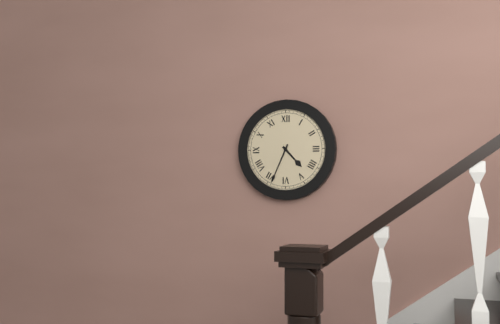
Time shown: {"hour": 4, "minute": 34}
